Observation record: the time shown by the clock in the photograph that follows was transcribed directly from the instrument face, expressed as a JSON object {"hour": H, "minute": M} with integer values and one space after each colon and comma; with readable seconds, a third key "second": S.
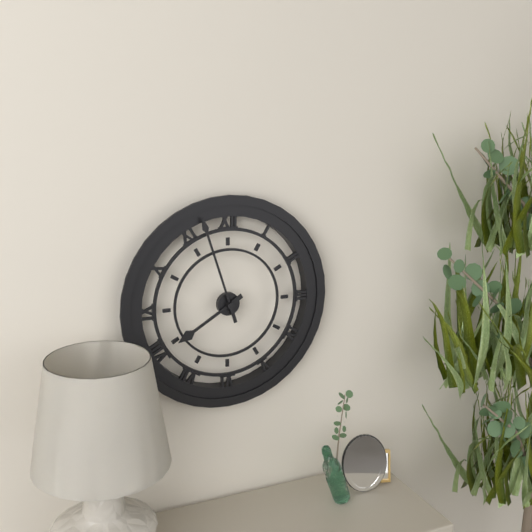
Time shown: {"hour": 7, "minute": 57}
